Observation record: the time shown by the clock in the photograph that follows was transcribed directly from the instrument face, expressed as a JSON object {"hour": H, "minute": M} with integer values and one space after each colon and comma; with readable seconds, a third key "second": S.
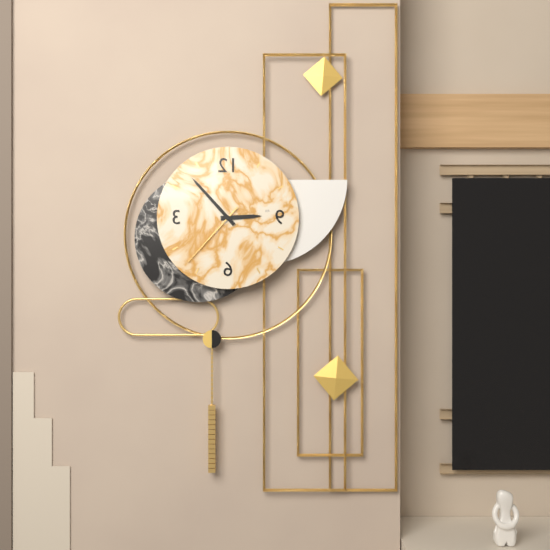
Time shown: {"hour": 2, "minute": 53, "second": 37}
